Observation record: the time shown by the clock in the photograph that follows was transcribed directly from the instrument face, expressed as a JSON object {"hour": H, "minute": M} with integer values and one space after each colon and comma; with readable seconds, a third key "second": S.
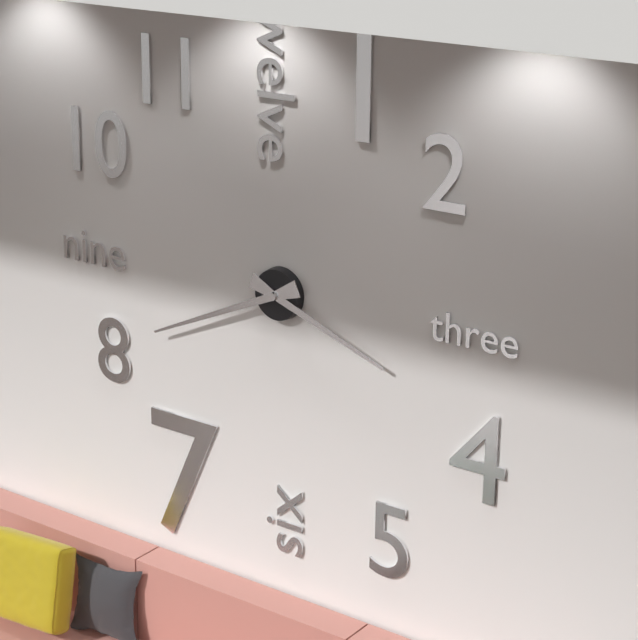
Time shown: {"hour": 3, "minute": 41}
